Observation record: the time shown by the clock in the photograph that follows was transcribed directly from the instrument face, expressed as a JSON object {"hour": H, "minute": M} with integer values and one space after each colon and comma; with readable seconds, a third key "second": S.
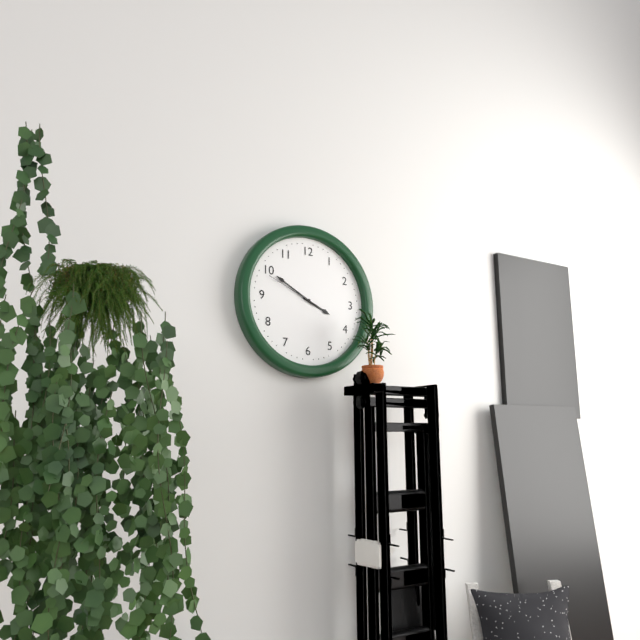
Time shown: {"hour": 3, "minute": 50, "second": 49}
